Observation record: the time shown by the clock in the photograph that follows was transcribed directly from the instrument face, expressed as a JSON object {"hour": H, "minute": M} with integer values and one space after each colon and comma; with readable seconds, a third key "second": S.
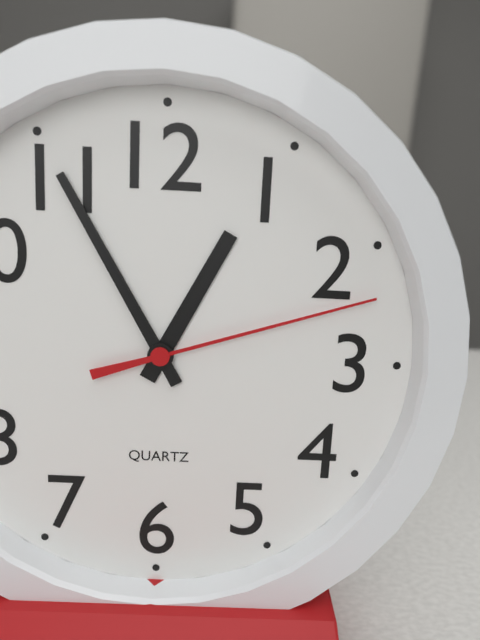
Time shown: {"hour": 12, "minute": 55, "second": 12}
